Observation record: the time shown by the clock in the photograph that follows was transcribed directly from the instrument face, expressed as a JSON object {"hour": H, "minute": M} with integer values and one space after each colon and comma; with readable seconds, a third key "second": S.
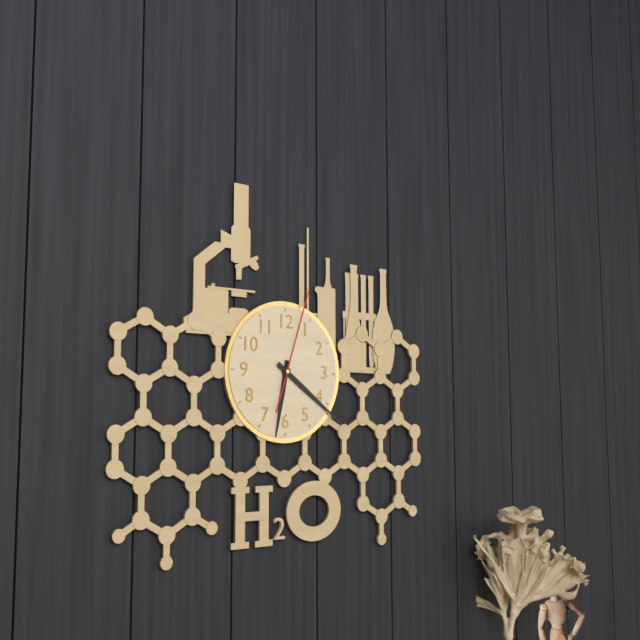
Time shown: {"hour": 6, "minute": 21, "second": 3}
